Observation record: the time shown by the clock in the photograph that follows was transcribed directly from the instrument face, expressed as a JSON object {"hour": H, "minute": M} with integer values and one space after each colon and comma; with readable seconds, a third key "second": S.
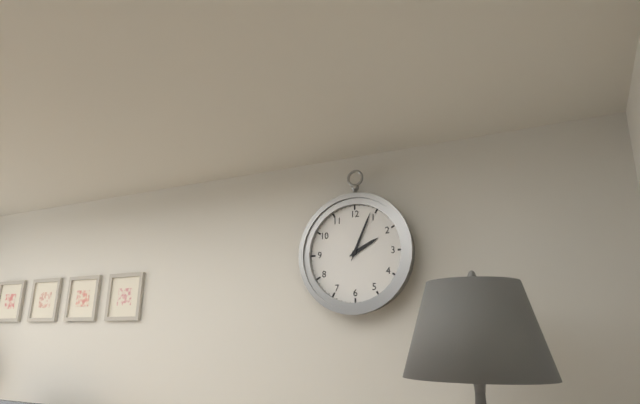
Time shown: {"hour": 2, "minute": 4}
